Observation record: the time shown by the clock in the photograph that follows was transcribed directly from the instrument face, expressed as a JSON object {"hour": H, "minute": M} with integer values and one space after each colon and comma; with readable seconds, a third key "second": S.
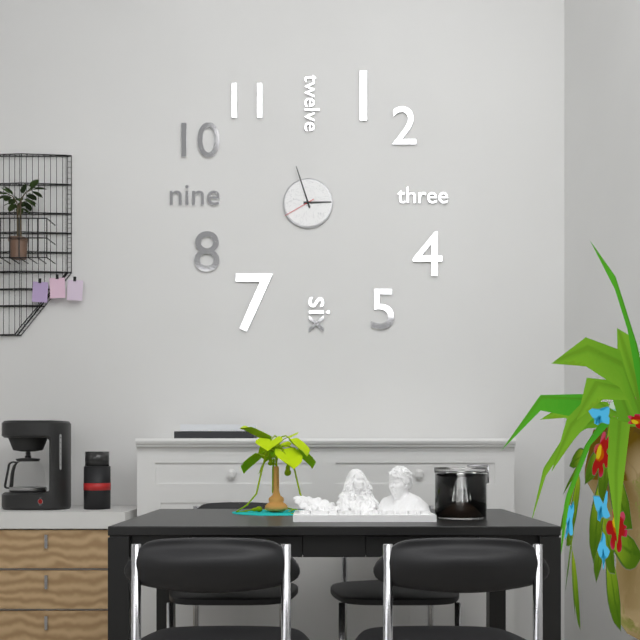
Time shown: {"hour": 2, "minute": 57}
